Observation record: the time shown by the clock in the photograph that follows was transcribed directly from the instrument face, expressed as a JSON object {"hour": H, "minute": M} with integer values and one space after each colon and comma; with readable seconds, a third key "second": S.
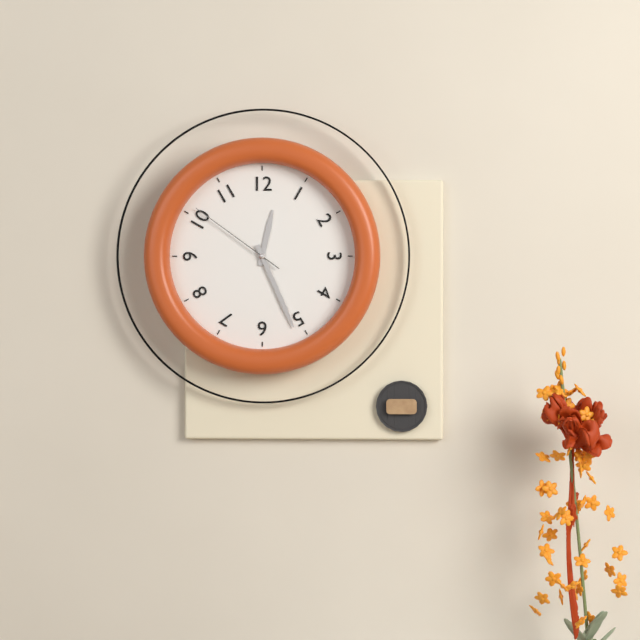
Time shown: {"hour": 12, "minute": 26, "second": 51}
